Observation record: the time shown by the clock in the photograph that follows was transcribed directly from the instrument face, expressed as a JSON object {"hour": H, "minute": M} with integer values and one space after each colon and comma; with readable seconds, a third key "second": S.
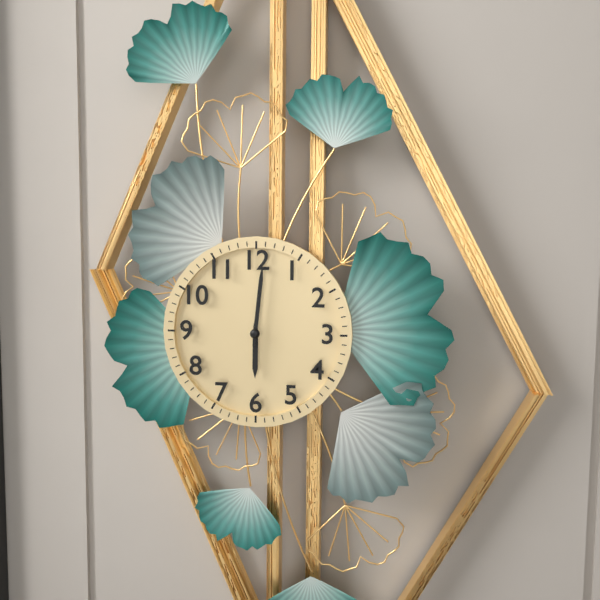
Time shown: {"hour": 6, "minute": 1}
